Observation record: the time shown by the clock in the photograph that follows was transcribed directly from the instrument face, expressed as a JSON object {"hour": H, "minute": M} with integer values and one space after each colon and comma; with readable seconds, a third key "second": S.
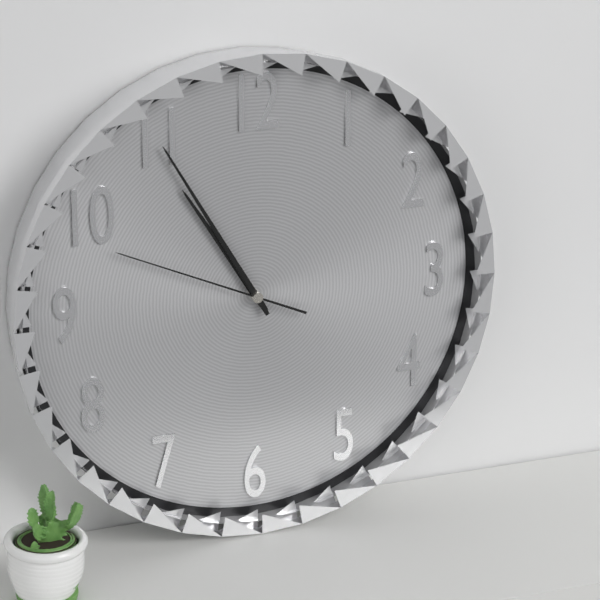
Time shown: {"hour": 10, "minute": 55, "second": 49}
